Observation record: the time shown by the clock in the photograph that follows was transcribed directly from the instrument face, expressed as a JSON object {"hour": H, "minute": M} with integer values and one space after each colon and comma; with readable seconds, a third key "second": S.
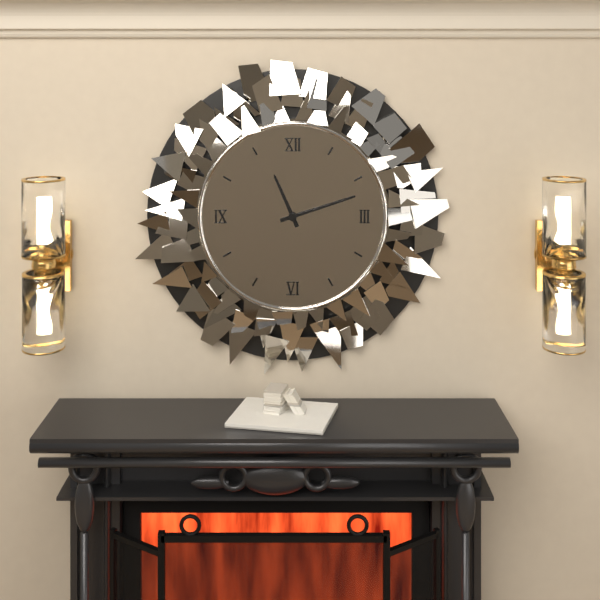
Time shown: {"hour": 11, "minute": 12}
